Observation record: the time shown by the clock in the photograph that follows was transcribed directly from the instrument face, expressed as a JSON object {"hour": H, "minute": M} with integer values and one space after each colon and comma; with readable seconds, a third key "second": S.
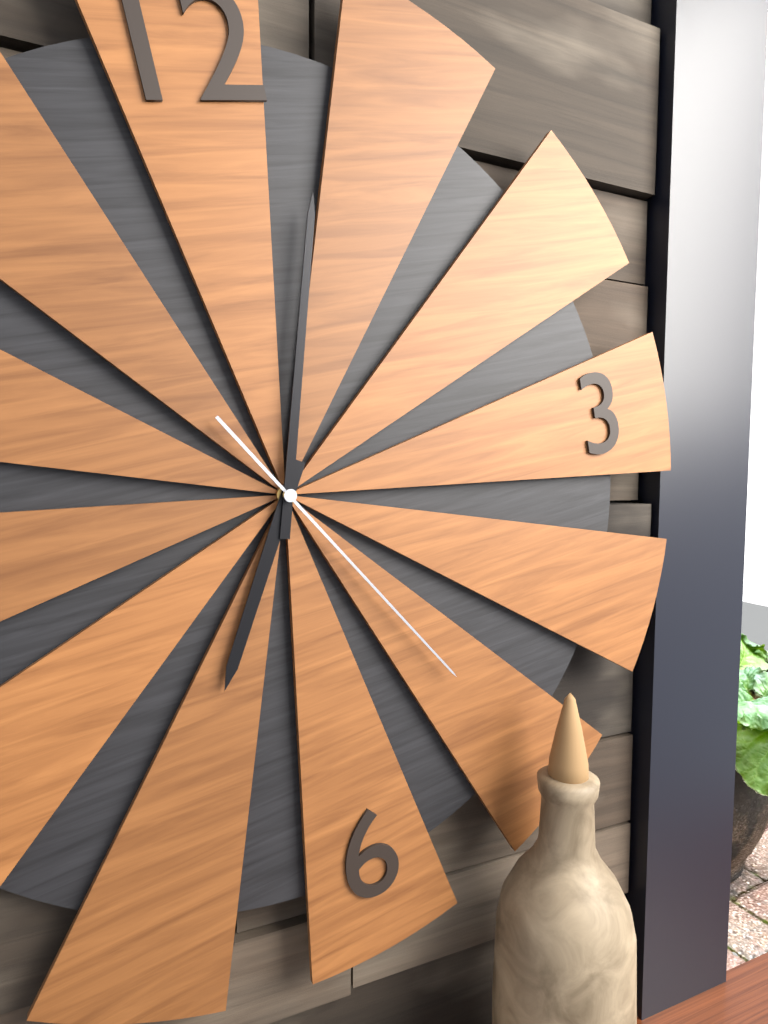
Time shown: {"hour": 7, "minute": 3, "second": 25}
